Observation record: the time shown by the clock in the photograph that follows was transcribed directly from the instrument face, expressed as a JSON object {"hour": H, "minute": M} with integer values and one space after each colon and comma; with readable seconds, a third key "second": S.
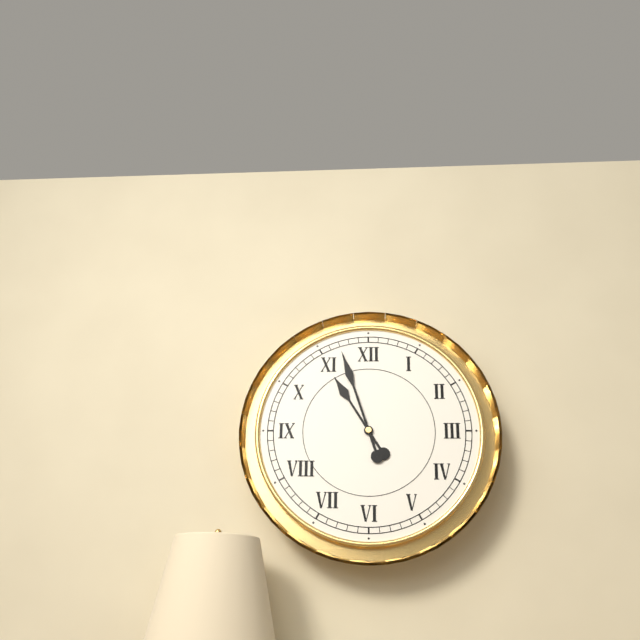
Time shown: {"hour": 10, "minute": 57}
